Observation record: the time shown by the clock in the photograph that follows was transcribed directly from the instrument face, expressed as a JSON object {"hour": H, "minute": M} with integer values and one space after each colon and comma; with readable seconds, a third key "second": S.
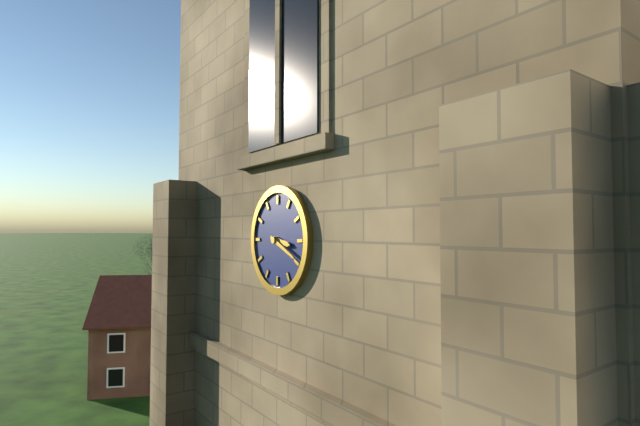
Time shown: {"hour": 3, "minute": 19}
